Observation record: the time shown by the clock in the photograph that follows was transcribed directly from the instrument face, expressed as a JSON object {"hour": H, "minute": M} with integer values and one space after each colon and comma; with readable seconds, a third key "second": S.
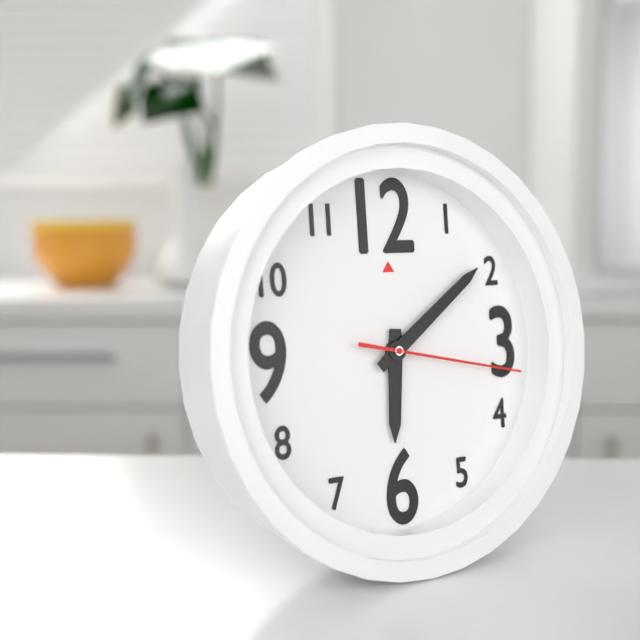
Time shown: {"hour": 6, "minute": 9, "second": 17}
